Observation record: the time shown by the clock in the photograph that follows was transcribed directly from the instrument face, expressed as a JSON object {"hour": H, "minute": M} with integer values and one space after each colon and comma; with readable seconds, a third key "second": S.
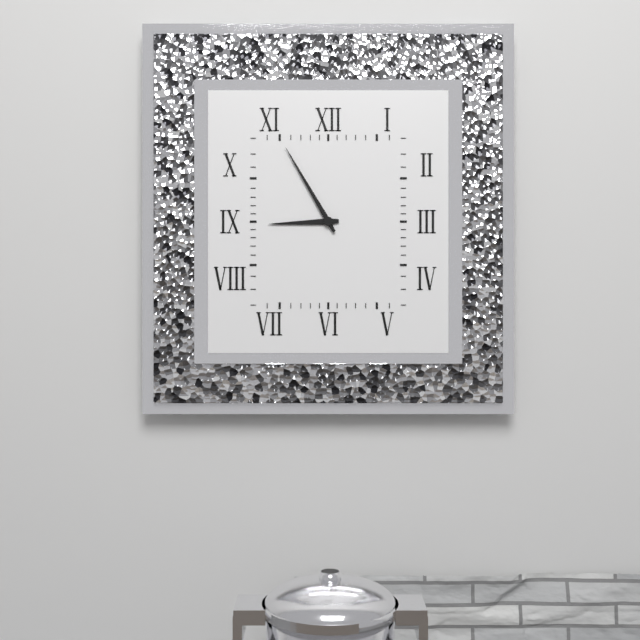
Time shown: {"hour": 8, "minute": 55}
